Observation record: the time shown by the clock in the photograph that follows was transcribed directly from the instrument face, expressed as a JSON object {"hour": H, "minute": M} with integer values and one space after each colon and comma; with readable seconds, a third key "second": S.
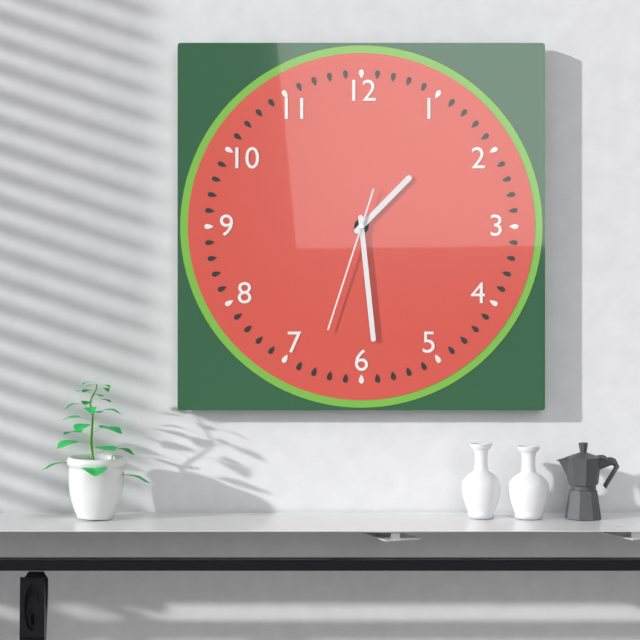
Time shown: {"hour": 1, "minute": 29, "second": 33}
